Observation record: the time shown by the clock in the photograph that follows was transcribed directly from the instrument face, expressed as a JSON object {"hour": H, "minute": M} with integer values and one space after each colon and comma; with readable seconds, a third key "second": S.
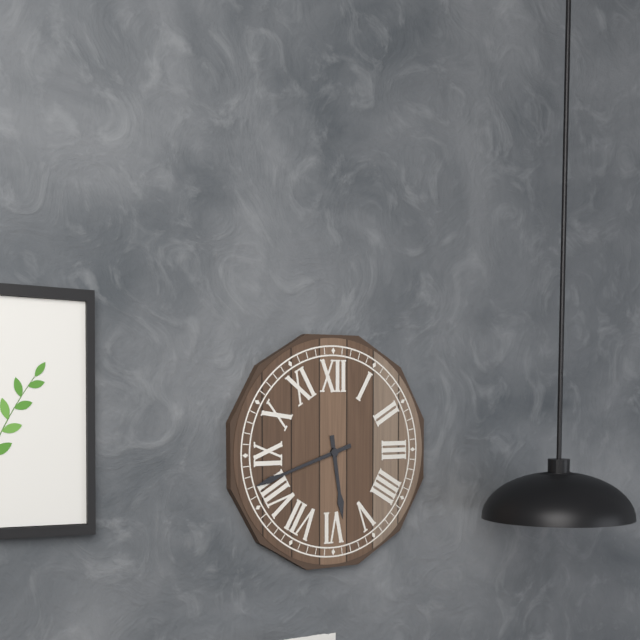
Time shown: {"hour": 5, "minute": 42}
